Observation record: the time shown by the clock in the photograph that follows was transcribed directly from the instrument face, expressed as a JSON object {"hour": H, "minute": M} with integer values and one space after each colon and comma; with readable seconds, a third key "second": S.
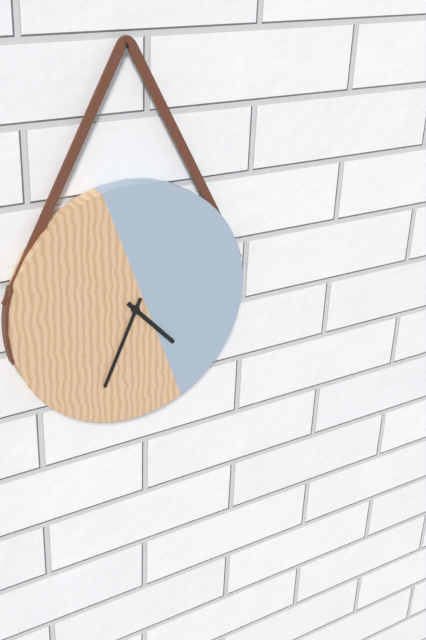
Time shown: {"hour": 4, "minute": 34}
